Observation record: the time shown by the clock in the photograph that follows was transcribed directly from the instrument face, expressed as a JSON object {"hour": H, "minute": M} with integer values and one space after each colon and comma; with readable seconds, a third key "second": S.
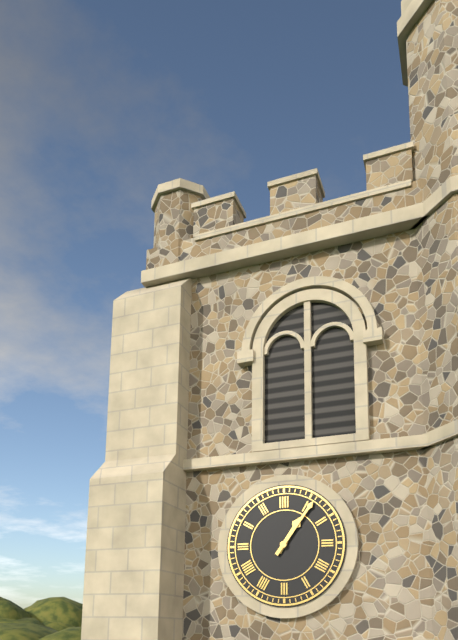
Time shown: {"hour": 1, "minute": 6}
